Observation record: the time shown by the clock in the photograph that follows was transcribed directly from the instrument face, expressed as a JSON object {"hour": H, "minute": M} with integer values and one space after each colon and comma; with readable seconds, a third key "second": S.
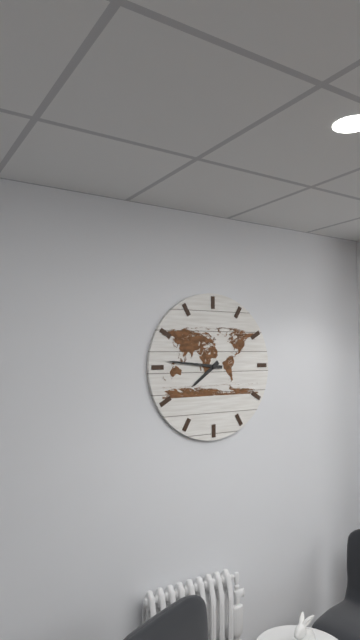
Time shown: {"hour": 7, "minute": 46}
